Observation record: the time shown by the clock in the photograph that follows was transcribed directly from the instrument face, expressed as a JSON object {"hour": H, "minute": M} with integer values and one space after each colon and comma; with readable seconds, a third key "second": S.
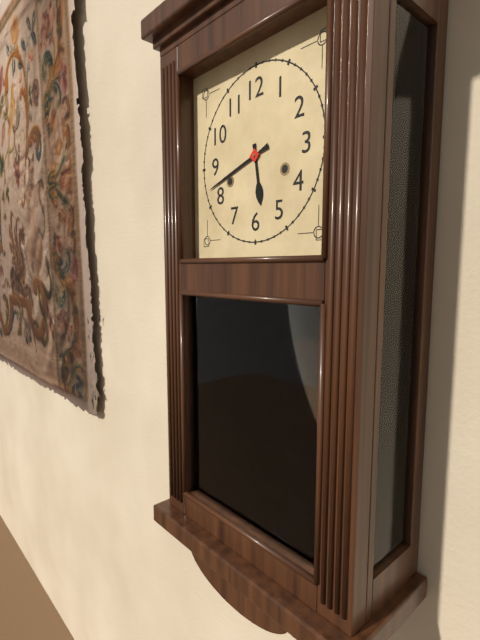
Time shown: {"hour": 5, "minute": 42}
